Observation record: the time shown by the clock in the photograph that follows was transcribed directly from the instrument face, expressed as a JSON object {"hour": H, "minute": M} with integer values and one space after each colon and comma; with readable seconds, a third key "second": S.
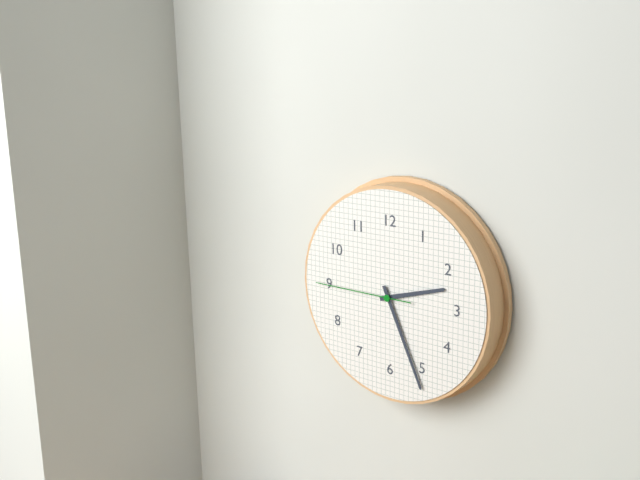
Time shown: {"hour": 2, "minute": 26, "second": 45}
